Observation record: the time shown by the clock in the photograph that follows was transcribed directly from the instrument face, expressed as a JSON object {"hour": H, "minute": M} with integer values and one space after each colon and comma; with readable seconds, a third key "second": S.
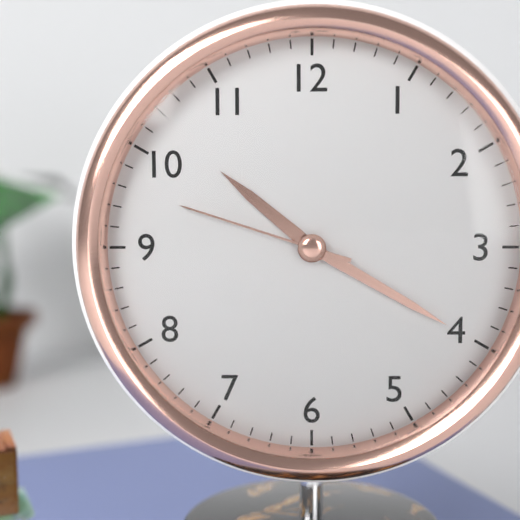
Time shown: {"hour": 10, "minute": 20, "second": 48}
